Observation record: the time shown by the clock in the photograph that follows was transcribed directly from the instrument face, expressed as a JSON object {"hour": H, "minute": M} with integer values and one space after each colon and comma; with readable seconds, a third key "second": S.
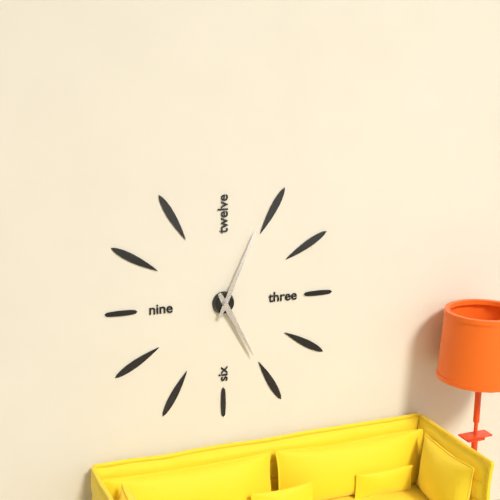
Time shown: {"hour": 5, "minute": 4}
